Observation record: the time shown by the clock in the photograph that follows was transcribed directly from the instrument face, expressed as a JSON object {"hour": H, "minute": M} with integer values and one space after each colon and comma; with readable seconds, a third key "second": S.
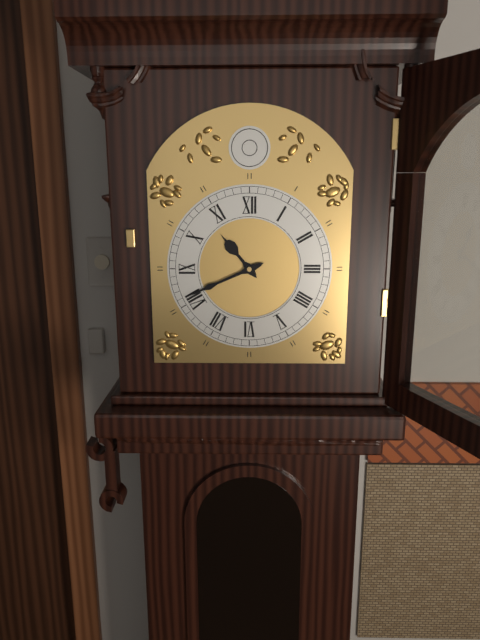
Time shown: {"hour": 10, "minute": 41}
